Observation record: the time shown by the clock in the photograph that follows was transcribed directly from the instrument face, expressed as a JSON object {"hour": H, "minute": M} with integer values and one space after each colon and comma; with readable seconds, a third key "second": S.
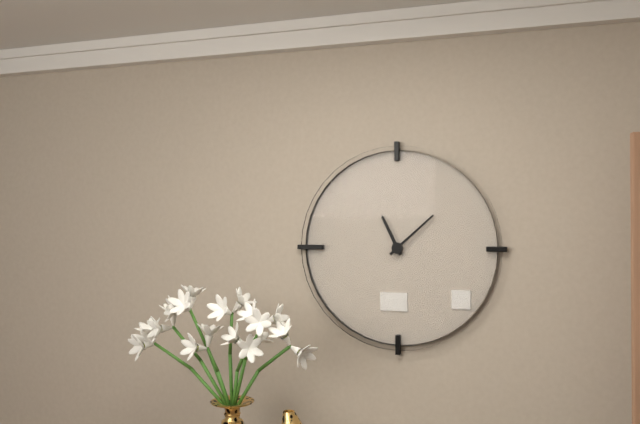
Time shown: {"hour": 11, "minute": 8}
